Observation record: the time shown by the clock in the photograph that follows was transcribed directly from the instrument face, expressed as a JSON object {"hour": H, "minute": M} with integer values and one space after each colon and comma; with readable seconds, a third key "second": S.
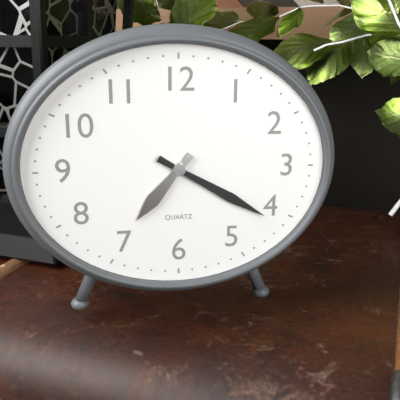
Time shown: {"hour": 7, "minute": 20}
